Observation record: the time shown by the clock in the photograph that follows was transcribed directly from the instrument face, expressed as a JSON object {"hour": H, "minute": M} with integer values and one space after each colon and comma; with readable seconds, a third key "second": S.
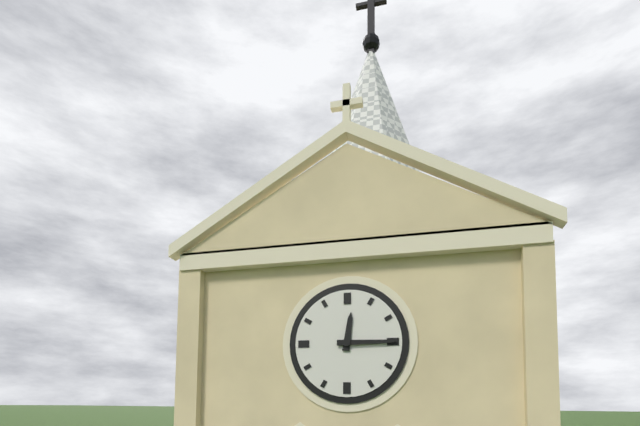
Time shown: {"hour": 12, "minute": 15}
